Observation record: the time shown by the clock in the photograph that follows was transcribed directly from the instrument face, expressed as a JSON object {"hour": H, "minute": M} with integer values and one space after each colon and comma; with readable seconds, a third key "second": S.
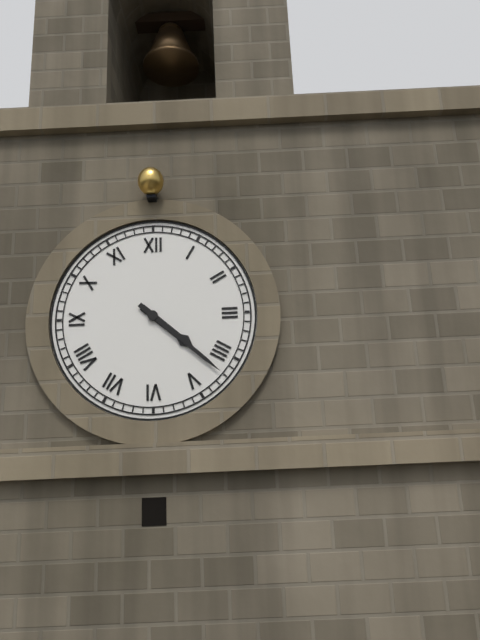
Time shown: {"hour": 4, "minute": 22}
